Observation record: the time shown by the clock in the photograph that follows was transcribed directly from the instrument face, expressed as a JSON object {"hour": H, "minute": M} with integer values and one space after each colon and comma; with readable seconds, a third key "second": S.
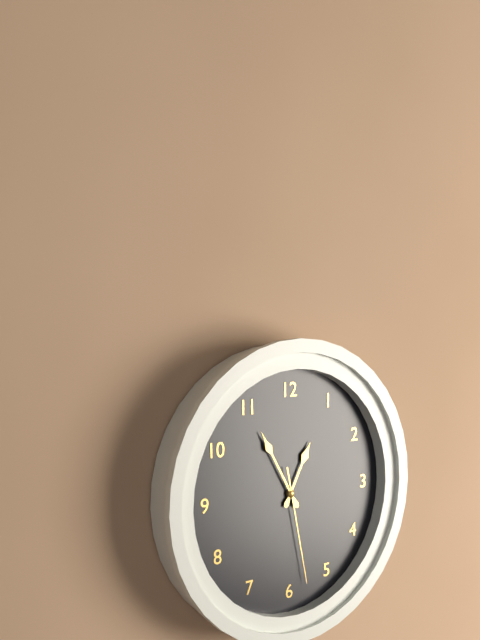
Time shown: {"hour": 12, "minute": 55, "second": 28}
